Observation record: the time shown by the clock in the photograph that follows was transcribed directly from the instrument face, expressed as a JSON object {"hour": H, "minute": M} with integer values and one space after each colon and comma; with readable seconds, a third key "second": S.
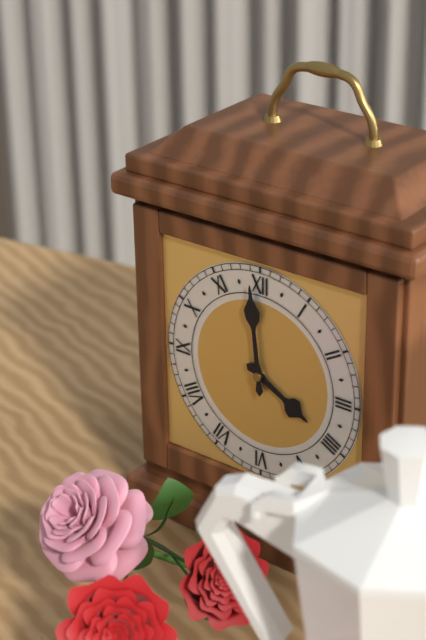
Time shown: {"hour": 3, "minute": 59}
